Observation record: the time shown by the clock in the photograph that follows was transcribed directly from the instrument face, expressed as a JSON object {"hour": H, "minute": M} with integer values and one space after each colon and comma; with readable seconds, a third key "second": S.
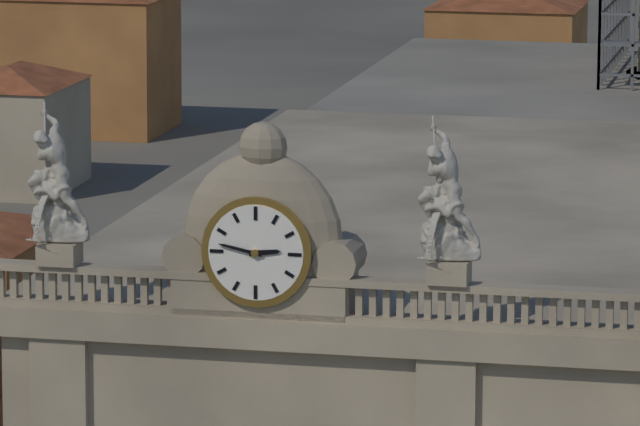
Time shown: {"hour": 2, "minute": 47}
